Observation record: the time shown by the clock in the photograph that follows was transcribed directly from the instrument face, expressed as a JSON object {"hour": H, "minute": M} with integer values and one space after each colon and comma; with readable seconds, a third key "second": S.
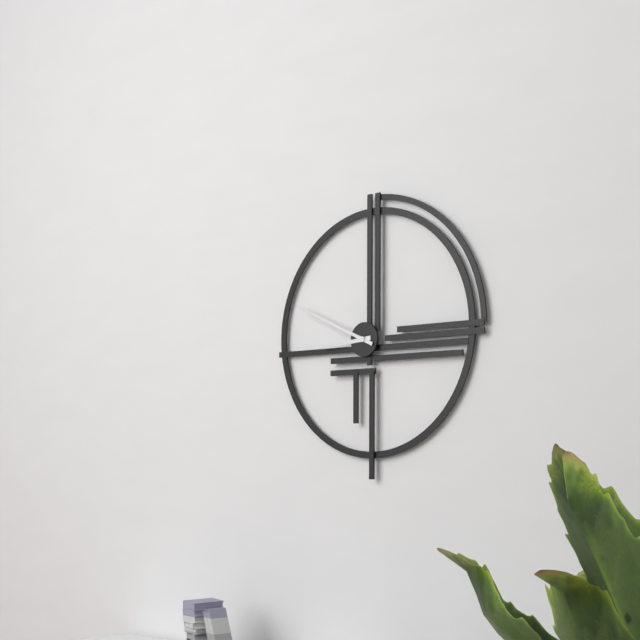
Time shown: {"hour": 8, "minute": 49}
